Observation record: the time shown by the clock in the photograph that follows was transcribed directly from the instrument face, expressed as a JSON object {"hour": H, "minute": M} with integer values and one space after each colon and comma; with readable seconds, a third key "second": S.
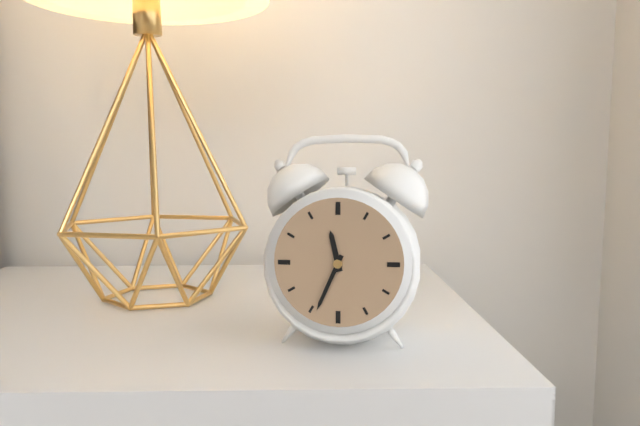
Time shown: {"hour": 11, "minute": 34}
